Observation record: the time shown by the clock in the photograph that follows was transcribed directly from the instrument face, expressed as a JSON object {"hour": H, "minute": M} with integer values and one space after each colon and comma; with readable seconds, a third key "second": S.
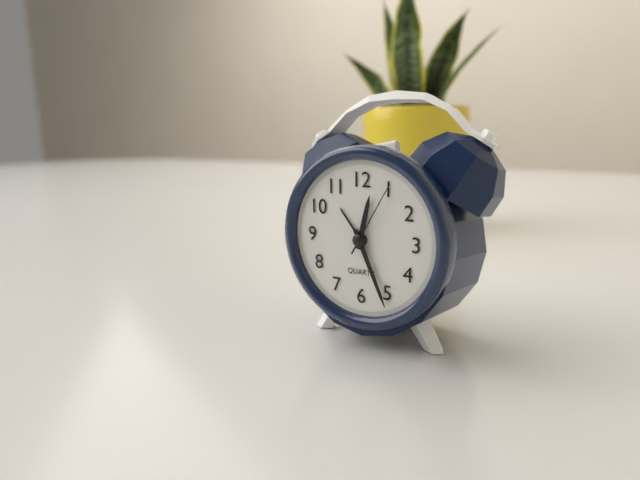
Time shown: {"hour": 12, "minute": 26, "second": 5}
